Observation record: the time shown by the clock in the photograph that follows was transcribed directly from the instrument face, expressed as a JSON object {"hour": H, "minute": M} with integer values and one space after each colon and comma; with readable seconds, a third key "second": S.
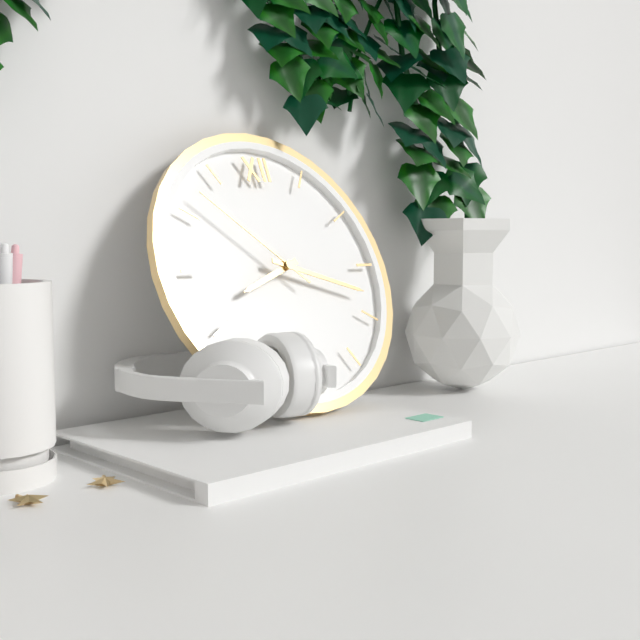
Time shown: {"hour": 8, "minute": 18, "second": 52}
